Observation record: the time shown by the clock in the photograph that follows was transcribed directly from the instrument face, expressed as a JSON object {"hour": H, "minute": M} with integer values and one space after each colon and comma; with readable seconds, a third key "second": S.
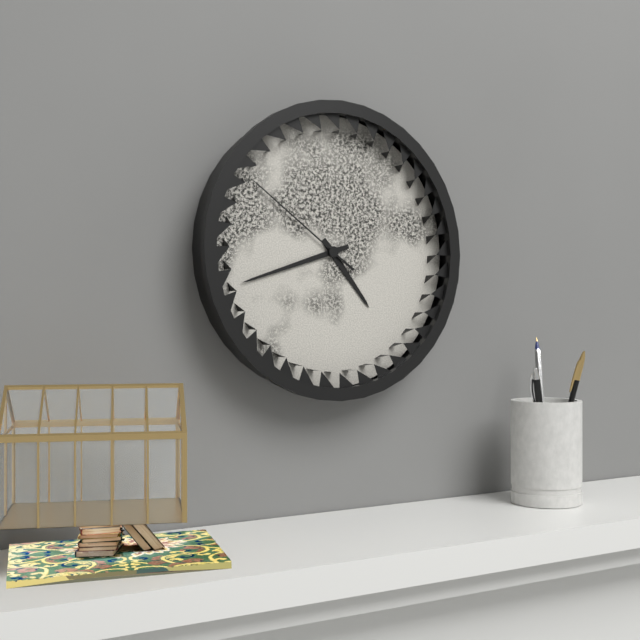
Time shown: {"hour": 4, "minute": 42, "second": 51}
